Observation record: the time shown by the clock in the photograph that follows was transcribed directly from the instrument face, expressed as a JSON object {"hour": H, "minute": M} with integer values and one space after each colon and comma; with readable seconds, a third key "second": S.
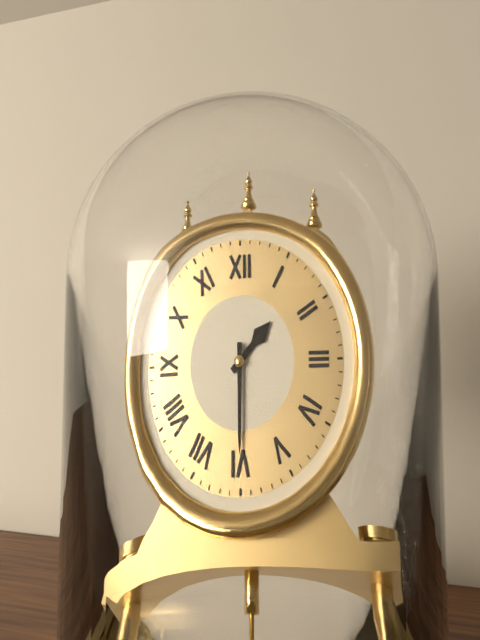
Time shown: {"hour": 1, "minute": 30}
